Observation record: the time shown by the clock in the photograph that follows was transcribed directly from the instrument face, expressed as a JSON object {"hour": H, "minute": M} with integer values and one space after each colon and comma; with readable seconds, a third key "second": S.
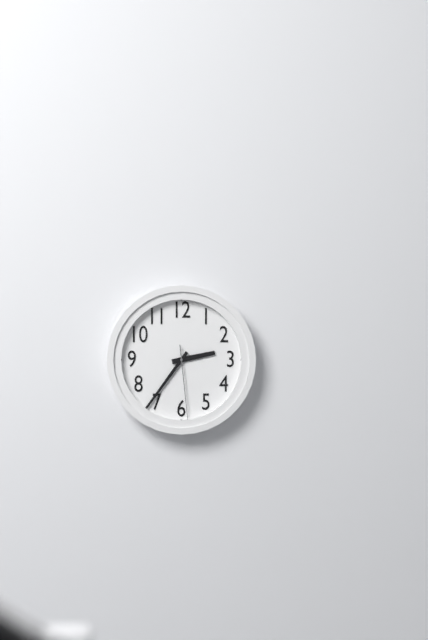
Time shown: {"hour": 2, "minute": 36, "second": 29}
